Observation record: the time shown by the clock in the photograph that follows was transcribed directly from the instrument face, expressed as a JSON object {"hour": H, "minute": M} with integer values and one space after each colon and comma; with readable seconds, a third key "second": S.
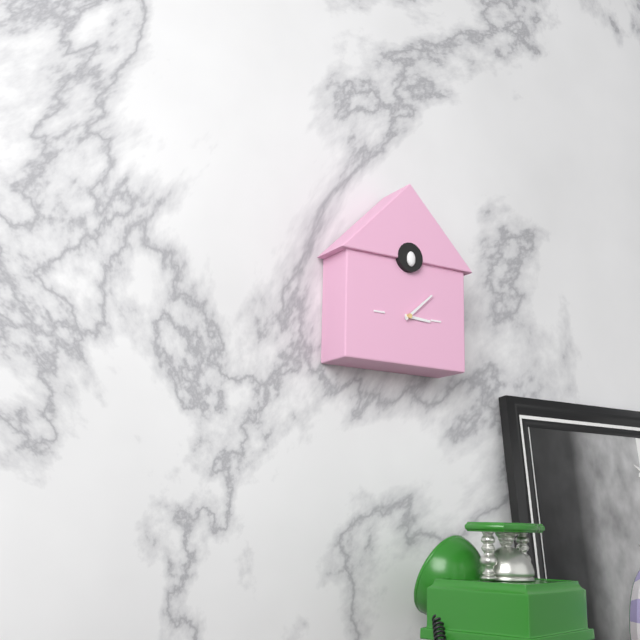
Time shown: {"hour": 3, "minute": 8}
